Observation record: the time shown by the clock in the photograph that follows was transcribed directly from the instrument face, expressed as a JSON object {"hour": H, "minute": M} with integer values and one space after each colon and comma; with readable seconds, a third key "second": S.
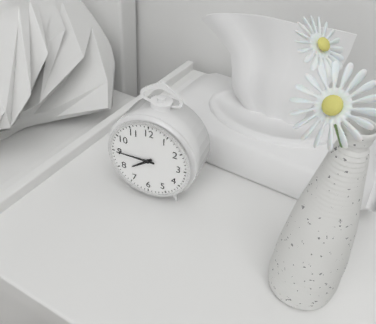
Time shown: {"hour": 7, "minute": 45}
